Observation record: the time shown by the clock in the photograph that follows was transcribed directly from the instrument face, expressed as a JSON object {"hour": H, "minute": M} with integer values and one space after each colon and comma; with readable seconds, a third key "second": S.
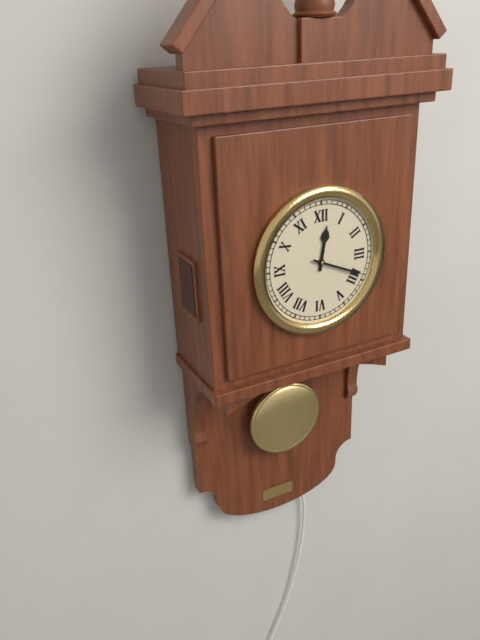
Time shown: {"hour": 12, "minute": 19}
